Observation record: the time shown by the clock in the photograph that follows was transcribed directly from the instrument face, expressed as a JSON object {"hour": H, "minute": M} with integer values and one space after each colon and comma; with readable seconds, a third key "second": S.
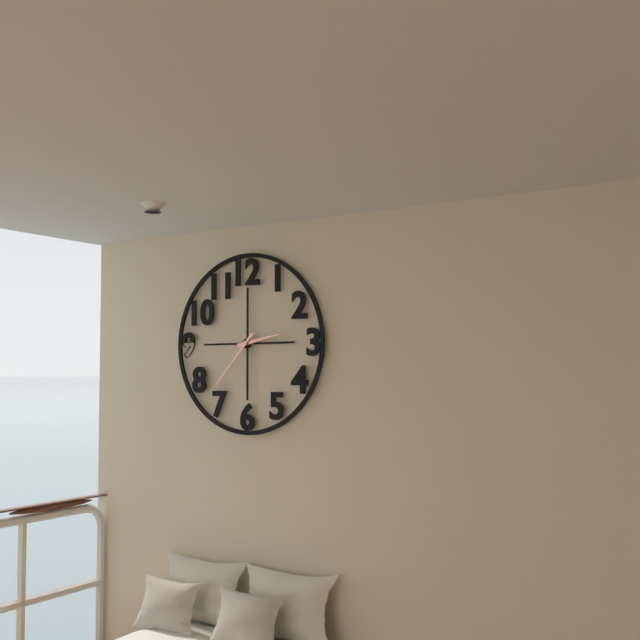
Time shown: {"hour": 2, "minute": 37}
